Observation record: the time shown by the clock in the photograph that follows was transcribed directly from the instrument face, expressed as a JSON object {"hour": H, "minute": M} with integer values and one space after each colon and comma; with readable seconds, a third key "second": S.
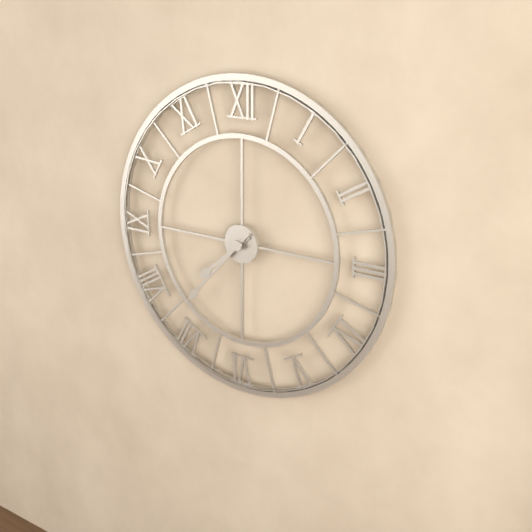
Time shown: {"hour": 7, "minute": 37}
